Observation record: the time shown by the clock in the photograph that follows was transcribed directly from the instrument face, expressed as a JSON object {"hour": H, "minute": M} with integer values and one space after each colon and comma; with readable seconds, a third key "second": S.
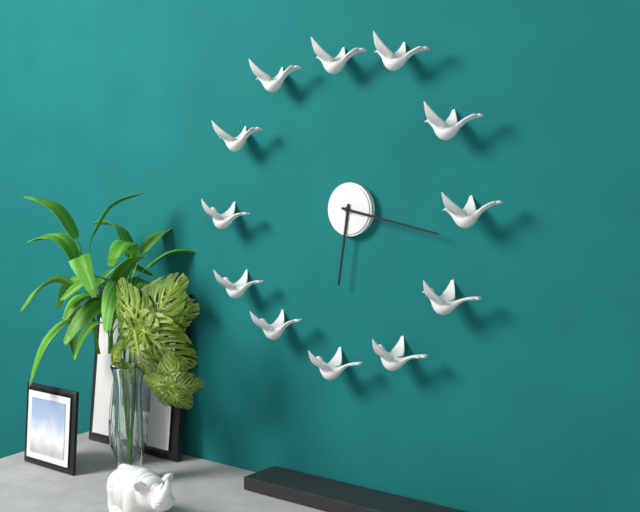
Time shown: {"hour": 6, "minute": 17}
